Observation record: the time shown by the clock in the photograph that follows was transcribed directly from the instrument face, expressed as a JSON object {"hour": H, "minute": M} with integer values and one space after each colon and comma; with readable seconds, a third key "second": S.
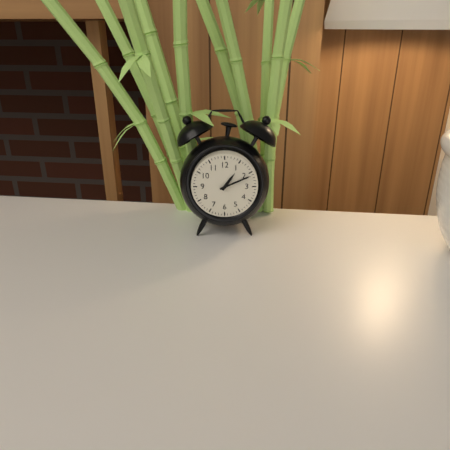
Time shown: {"hour": 1, "minute": 11}
